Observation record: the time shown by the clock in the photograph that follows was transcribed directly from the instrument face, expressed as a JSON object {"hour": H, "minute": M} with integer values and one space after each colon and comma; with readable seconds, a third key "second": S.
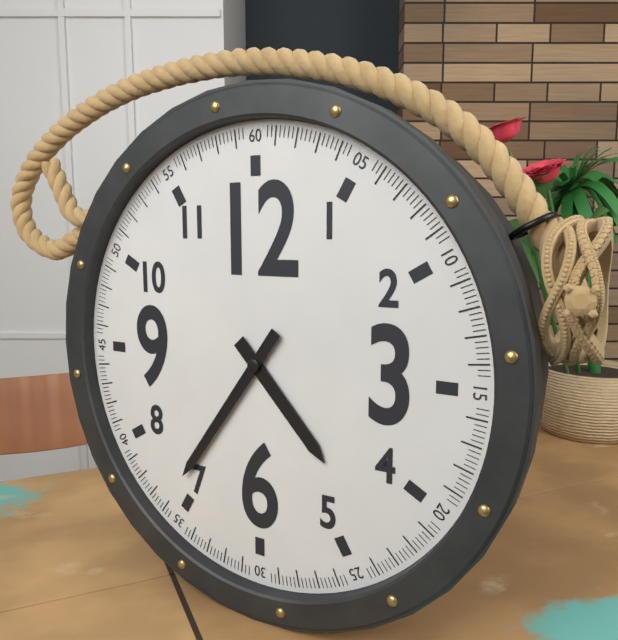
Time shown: {"hour": 4, "minute": 36}
